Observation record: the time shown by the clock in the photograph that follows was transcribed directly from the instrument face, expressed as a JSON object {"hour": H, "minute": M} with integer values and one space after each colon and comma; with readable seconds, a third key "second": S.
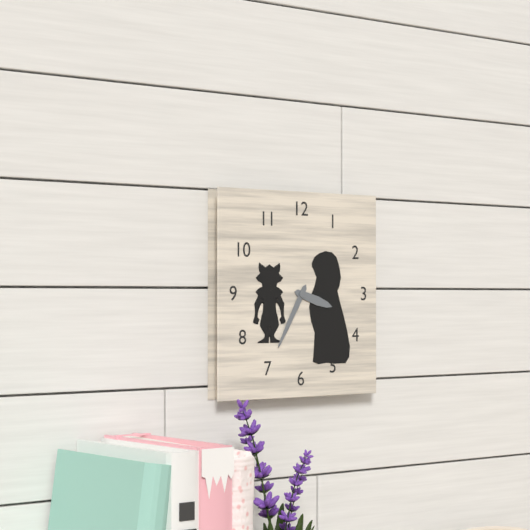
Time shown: {"hour": 3, "minute": 35}
